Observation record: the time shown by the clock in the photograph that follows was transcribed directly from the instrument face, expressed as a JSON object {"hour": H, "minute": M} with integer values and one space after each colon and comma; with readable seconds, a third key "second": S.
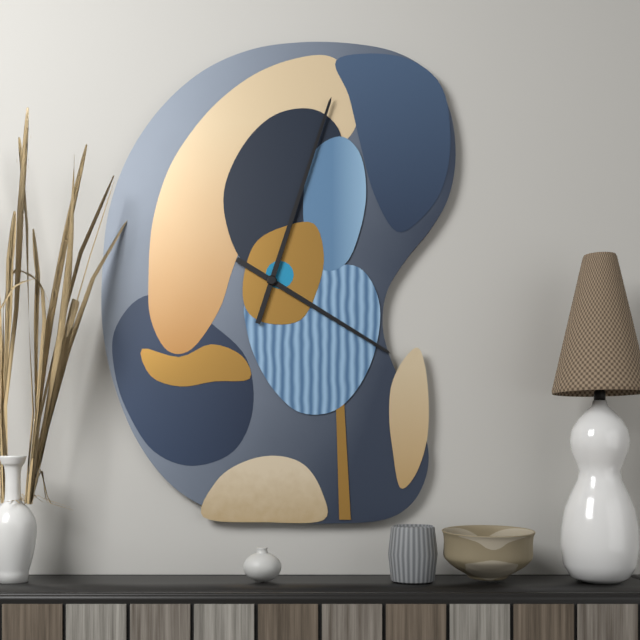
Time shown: {"hour": 4, "minute": 3}
